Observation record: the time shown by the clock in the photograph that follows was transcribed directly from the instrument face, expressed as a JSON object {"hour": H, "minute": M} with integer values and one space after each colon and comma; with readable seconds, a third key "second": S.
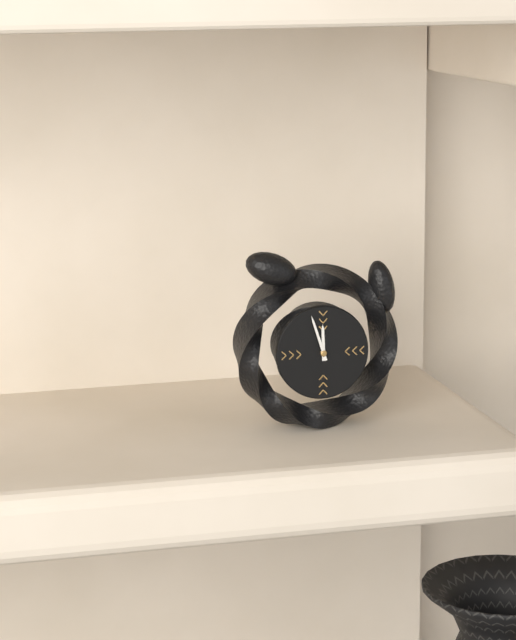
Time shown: {"hour": 11, "minute": 57}
